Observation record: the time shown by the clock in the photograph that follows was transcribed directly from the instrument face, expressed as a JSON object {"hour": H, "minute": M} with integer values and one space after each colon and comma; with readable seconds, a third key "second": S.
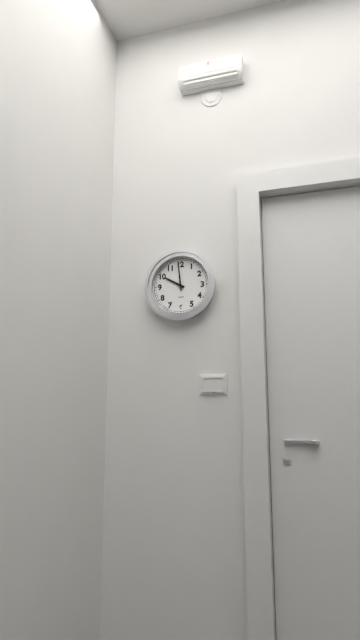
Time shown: {"hour": 9, "minute": 59}
